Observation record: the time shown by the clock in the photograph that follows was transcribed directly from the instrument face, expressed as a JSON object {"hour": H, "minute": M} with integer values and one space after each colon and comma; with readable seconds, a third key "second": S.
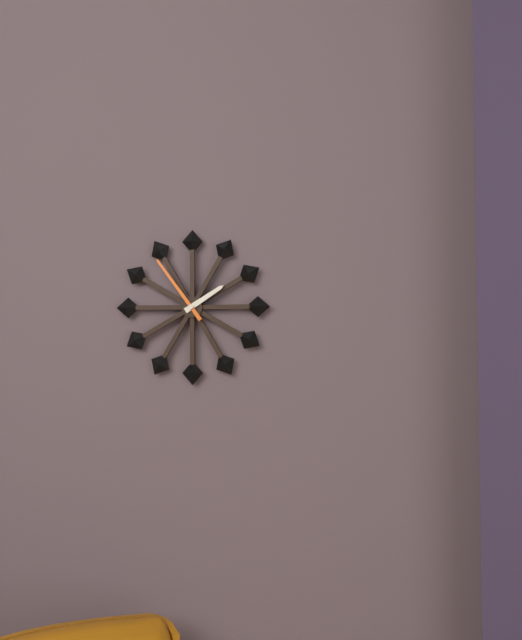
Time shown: {"hour": 1, "minute": 54}
